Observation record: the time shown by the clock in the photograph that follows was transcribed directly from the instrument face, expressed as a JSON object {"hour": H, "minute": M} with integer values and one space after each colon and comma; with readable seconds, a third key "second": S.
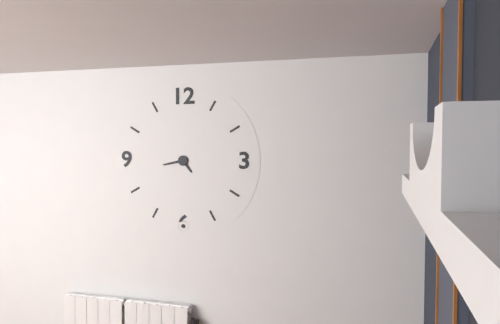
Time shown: {"hour": 4, "minute": 43}
